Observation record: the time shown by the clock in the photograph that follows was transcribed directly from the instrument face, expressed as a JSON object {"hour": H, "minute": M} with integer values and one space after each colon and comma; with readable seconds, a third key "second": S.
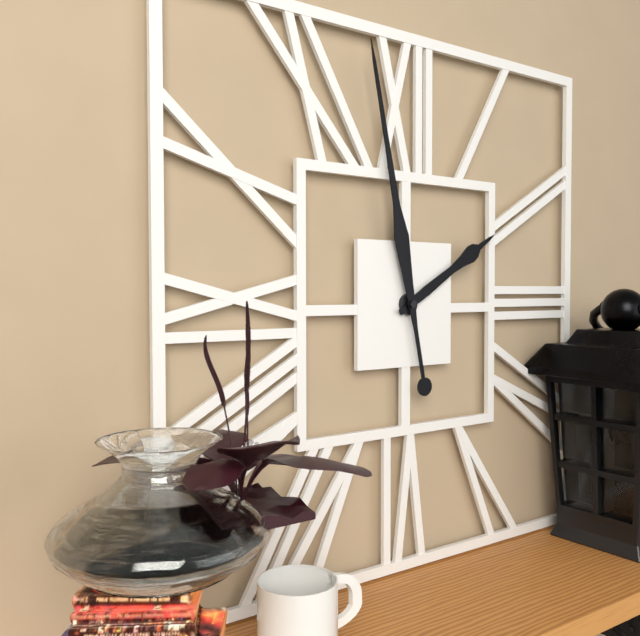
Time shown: {"hour": 1, "minute": 58}
